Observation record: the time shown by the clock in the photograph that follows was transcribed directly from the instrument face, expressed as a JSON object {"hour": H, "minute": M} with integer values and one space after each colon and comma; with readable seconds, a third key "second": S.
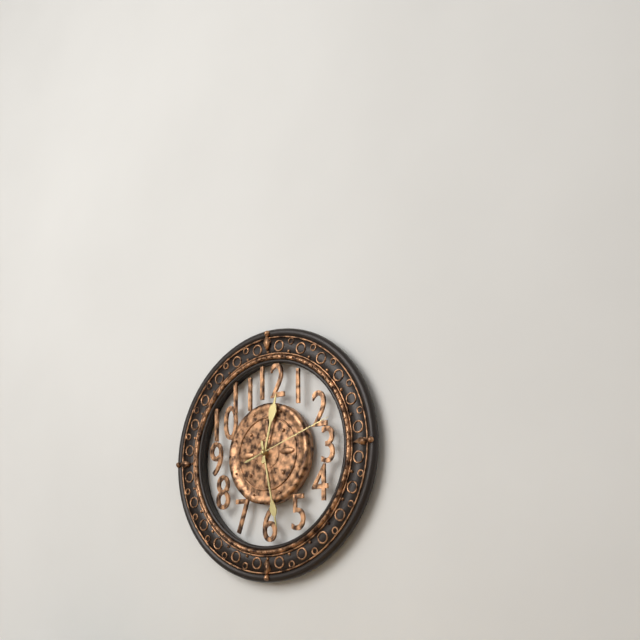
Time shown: {"hour": 12, "minute": 28, "second": 12}
